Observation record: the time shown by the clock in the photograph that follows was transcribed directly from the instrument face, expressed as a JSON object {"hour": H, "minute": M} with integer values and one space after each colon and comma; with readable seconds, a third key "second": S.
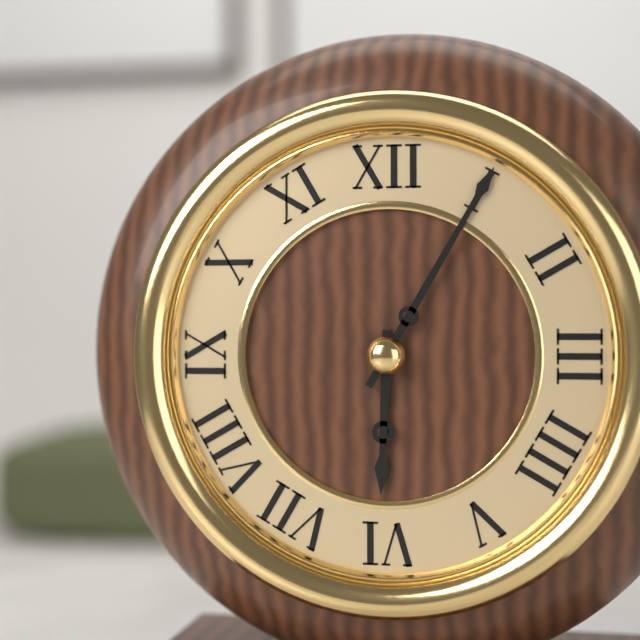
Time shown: {"hour": 6, "minute": 5}
